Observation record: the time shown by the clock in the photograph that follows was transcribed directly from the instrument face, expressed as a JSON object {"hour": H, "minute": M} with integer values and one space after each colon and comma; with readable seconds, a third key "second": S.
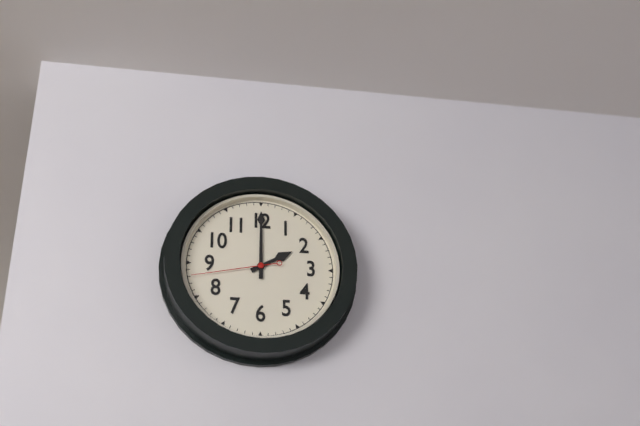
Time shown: {"hour": 2, "minute": 0, "second": 43}
